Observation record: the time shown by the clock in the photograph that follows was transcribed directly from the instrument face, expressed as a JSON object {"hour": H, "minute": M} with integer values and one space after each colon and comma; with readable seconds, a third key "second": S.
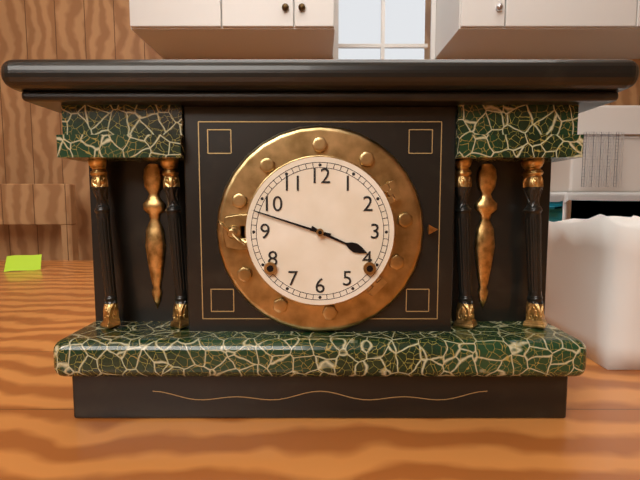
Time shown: {"hour": 3, "minute": 48}
